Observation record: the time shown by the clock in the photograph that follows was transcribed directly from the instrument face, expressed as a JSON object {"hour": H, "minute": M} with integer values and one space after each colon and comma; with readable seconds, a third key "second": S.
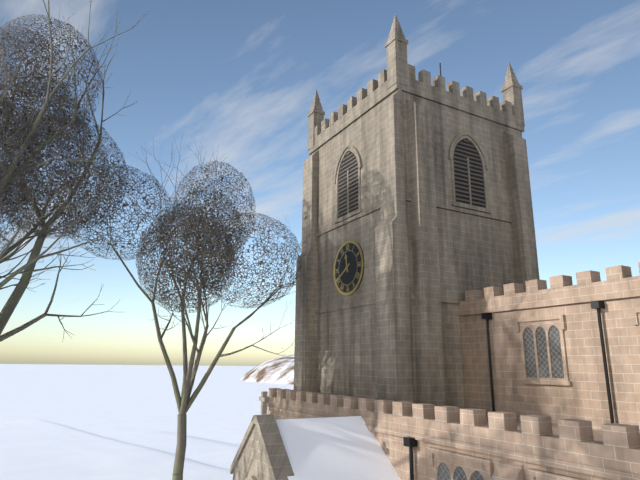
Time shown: {"hour": 11, "minute": 40}
